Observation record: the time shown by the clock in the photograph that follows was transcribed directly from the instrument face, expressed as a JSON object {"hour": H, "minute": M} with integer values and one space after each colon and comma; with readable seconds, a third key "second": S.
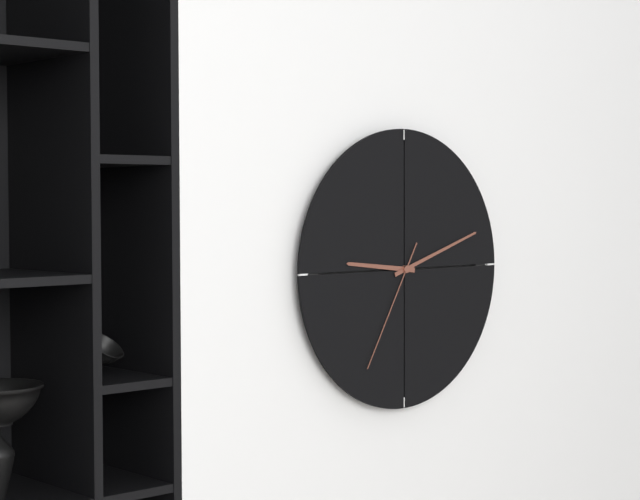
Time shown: {"hour": 9, "minute": 12, "second": 35}
